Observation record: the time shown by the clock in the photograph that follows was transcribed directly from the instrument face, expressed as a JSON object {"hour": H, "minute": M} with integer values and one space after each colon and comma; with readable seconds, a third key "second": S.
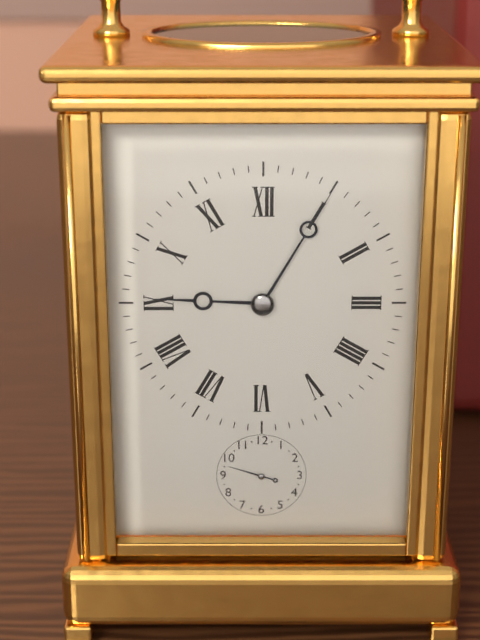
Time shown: {"hour": 9, "minute": 5}
